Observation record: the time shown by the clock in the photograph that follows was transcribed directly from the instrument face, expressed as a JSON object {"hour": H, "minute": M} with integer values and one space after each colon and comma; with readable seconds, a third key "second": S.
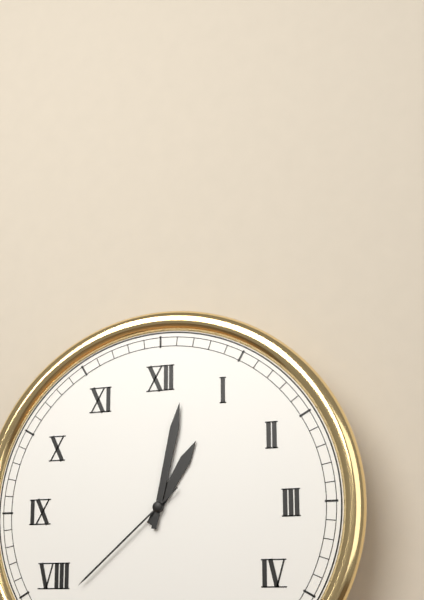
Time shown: {"hour": 1, "minute": 2, "second": 38}
